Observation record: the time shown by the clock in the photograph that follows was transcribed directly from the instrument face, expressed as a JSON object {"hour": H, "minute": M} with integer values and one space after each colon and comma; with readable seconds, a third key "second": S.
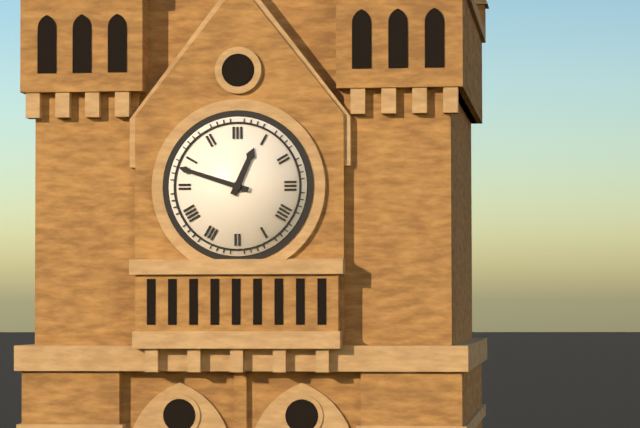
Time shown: {"hour": 12, "minute": 48}
